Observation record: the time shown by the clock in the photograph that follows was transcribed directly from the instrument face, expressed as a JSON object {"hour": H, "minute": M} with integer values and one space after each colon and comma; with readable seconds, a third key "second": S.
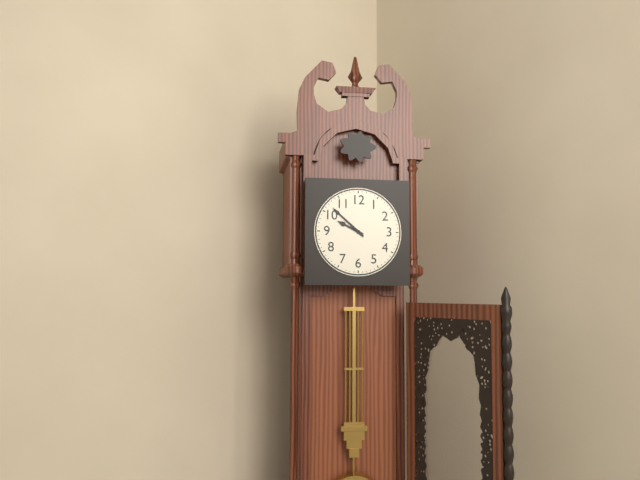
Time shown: {"hour": 9, "minute": 52}
